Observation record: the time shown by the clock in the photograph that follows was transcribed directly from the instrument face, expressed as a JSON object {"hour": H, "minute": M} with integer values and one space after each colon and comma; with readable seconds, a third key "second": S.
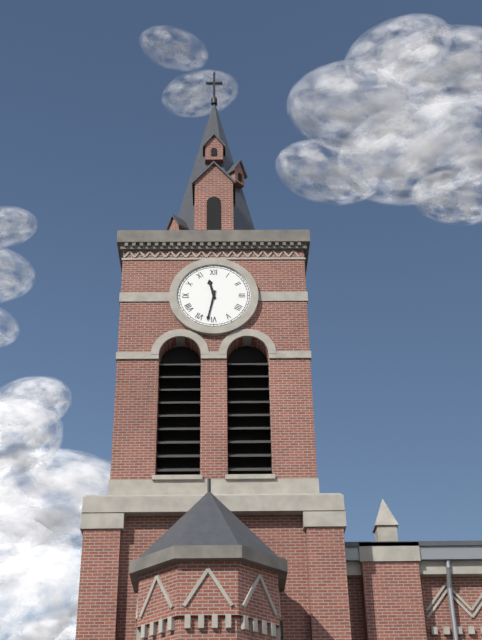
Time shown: {"hour": 11, "minute": 32}
